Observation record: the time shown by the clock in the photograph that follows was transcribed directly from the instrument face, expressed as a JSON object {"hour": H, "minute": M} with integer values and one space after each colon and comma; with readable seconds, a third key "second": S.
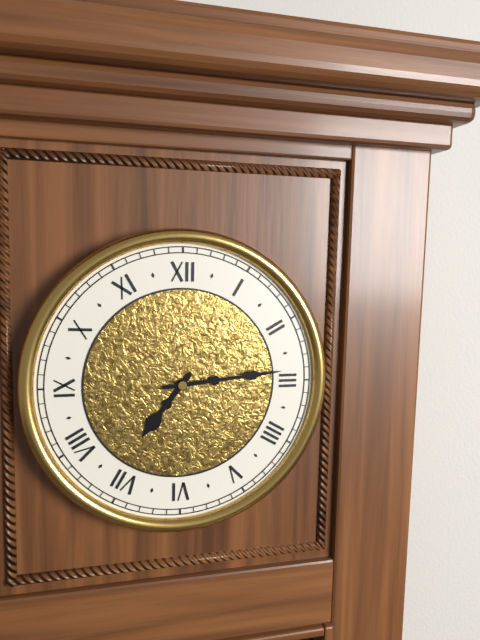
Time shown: {"hour": 7, "minute": 14}
